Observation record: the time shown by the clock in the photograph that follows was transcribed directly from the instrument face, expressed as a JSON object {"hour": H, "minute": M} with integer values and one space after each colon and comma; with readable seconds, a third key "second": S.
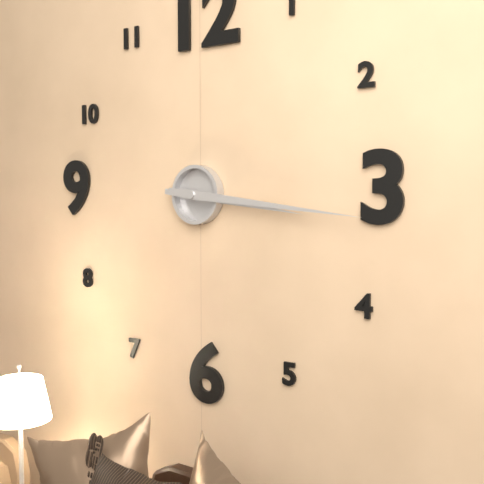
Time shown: {"hour": 3, "minute": 16}
